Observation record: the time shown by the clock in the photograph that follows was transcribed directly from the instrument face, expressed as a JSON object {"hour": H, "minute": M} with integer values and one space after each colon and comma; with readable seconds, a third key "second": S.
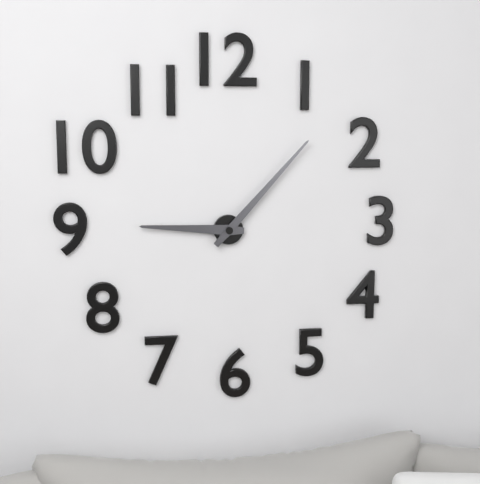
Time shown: {"hour": 9, "minute": 7}
